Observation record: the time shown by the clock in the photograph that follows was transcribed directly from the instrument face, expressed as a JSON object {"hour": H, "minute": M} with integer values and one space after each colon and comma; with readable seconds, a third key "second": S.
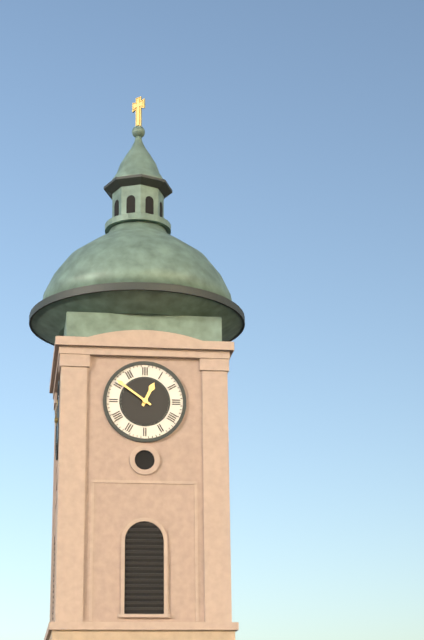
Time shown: {"hour": 12, "minute": 51}
